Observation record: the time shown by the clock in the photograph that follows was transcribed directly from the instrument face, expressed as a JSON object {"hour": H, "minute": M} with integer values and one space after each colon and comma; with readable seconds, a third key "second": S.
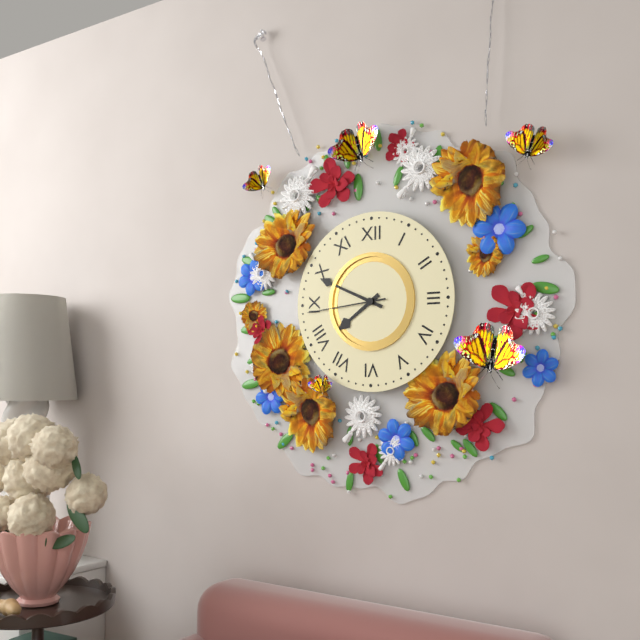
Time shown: {"hour": 7, "minute": 49, "second": 44}
